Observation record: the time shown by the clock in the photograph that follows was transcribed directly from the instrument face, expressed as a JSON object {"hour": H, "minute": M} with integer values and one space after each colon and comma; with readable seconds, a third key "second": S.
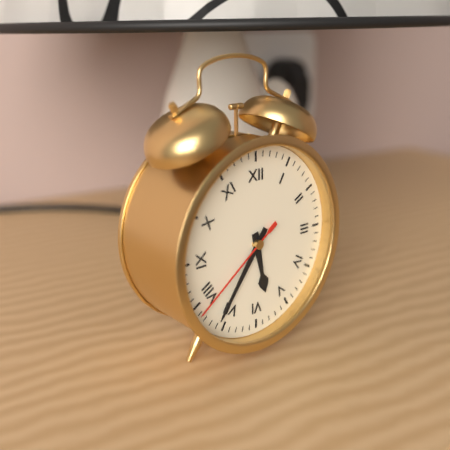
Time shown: {"hour": 5, "minute": 36, "second": 39}
